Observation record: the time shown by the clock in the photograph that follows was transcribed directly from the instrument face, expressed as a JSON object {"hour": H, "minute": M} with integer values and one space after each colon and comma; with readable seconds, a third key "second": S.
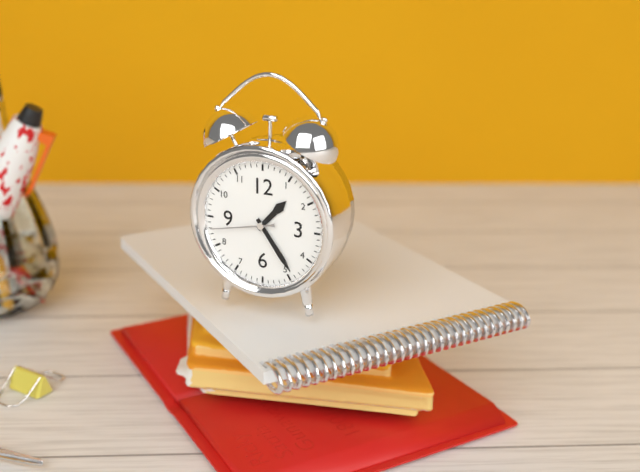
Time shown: {"hour": 1, "minute": 24, "second": 43}
